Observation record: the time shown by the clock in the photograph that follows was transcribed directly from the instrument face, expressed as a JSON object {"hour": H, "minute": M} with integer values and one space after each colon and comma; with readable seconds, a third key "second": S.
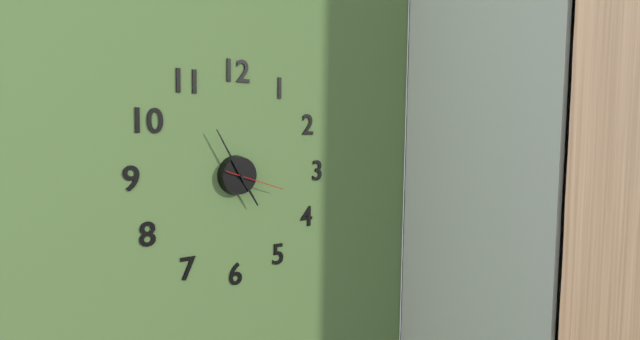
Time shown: {"hour": 4, "minute": 55, "second": 18}
